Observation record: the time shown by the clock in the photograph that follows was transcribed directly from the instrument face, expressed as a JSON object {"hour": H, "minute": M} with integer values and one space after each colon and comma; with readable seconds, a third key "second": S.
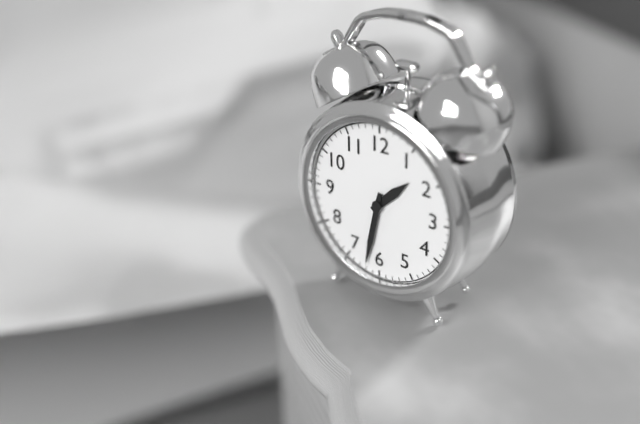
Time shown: {"hour": 1, "minute": 32}
